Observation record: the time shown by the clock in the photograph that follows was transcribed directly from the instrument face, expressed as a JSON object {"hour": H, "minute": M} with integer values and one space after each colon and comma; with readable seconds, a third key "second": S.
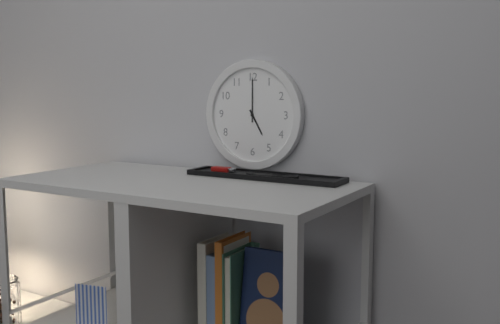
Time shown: {"hour": 5, "minute": 0}
